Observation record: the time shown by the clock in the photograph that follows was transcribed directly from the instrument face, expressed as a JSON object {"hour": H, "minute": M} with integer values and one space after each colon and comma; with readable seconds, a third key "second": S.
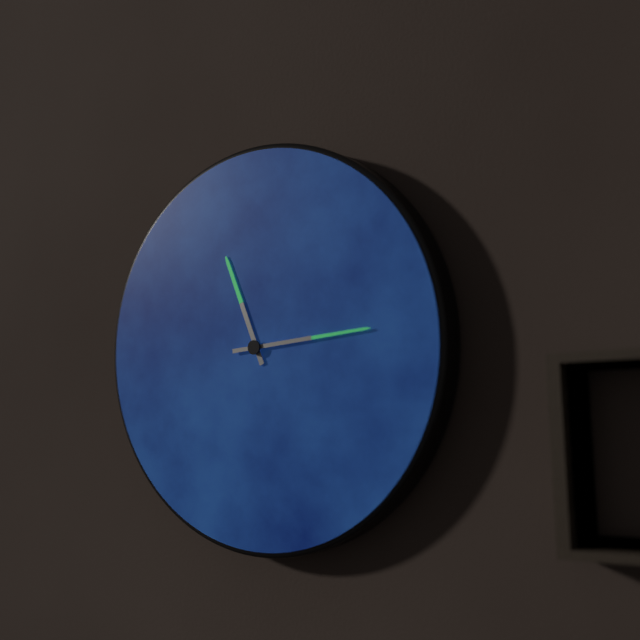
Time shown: {"hour": 11, "minute": 14}
